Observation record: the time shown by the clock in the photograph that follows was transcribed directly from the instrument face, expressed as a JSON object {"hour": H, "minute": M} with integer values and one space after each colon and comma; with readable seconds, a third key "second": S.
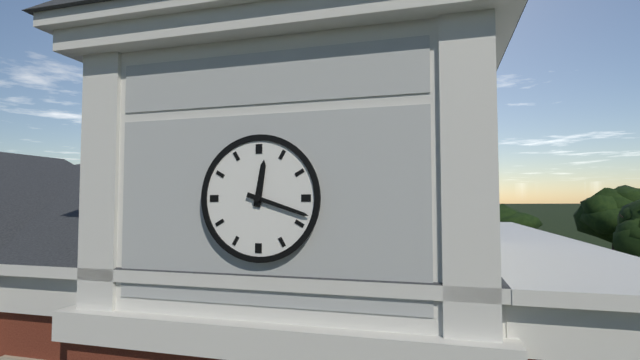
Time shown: {"hour": 12, "minute": 18}
